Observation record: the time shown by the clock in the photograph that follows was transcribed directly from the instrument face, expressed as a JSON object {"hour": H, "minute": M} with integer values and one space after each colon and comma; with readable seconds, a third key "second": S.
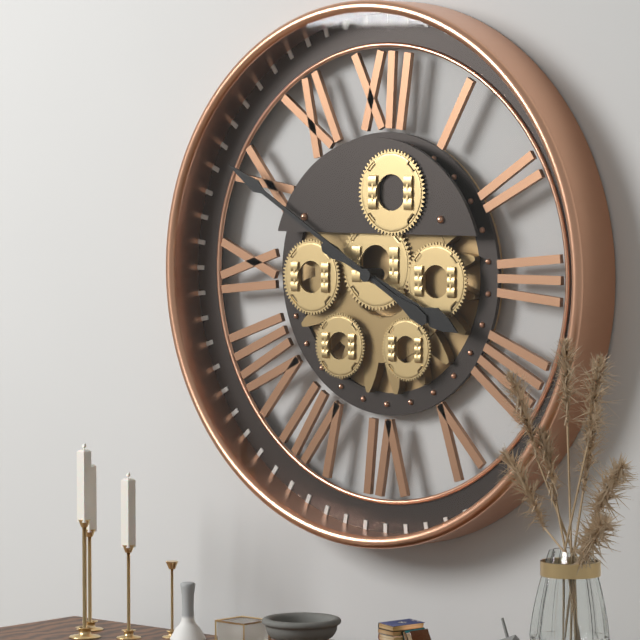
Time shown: {"hour": 3, "minute": 50}
